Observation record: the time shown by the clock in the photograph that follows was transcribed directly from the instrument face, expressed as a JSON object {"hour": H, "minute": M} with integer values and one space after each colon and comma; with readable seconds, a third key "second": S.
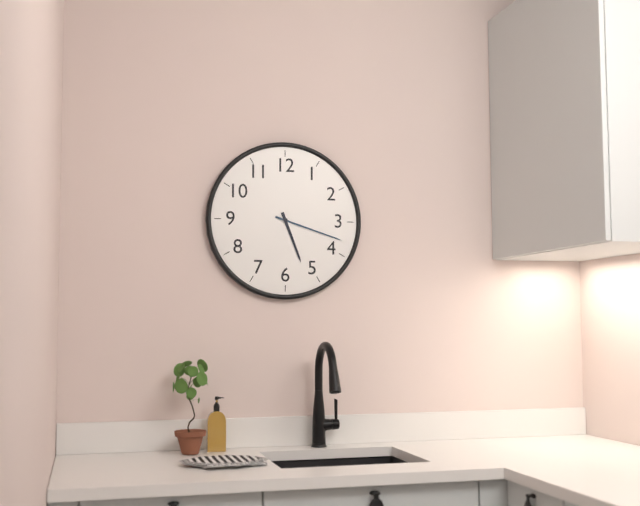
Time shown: {"hour": 5, "minute": 18}
